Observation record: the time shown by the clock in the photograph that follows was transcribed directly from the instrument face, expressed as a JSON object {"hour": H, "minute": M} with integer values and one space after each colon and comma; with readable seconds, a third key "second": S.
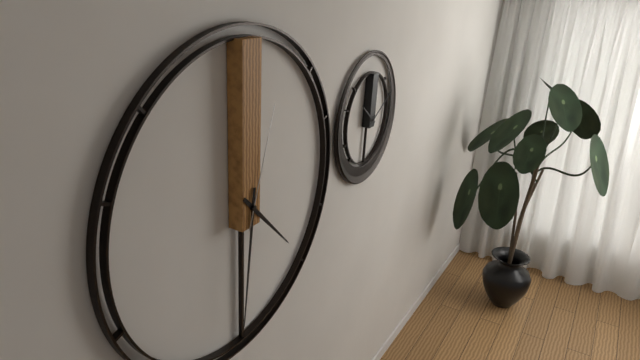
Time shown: {"hour": 4, "minute": 31, "second": 3}
